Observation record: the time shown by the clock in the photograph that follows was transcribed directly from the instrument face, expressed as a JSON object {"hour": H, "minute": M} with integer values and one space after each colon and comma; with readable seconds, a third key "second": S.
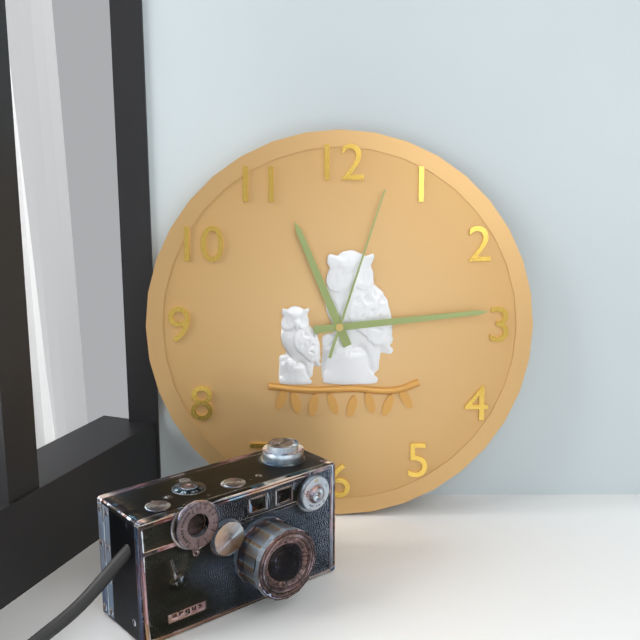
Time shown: {"hour": 11, "minute": 14, "second": 3}
